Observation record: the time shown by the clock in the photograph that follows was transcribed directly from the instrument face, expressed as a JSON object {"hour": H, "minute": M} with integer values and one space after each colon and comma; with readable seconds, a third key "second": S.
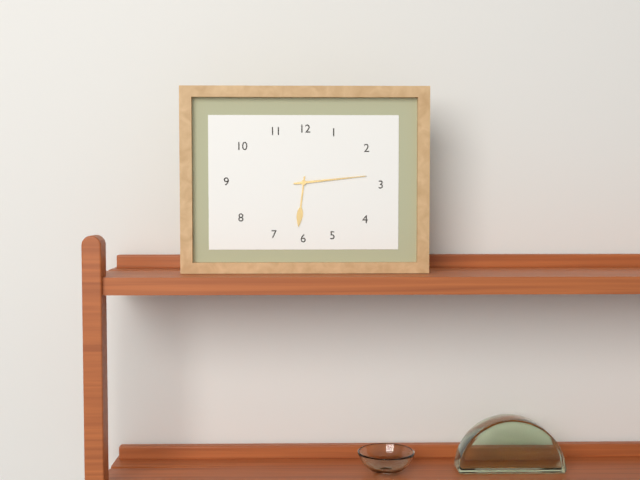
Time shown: {"hour": 6, "minute": 14}
